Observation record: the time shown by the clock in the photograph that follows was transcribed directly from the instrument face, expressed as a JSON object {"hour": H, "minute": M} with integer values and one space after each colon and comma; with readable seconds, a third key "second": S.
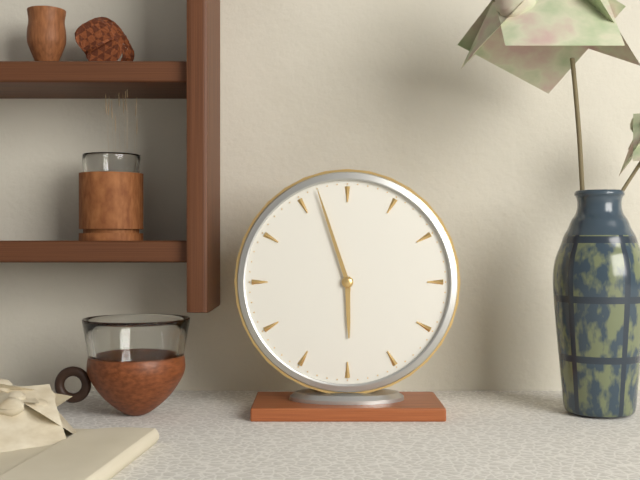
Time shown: {"hour": 5, "minute": 57}
